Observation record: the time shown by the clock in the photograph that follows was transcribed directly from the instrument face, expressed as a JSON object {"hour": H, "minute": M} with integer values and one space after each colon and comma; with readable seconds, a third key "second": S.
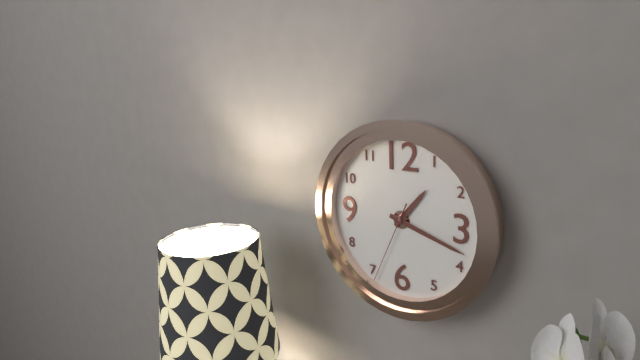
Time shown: {"hour": 1, "minute": 18, "second": 34}
